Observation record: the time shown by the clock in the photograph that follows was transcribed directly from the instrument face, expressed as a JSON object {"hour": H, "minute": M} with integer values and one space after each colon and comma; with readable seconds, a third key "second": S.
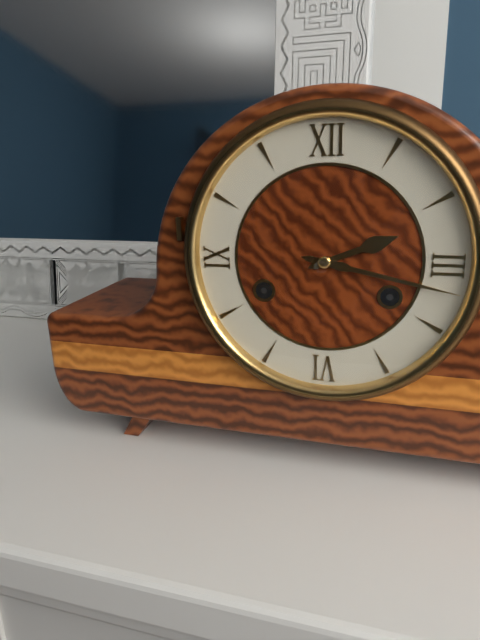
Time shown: {"hour": 2, "minute": 17}
